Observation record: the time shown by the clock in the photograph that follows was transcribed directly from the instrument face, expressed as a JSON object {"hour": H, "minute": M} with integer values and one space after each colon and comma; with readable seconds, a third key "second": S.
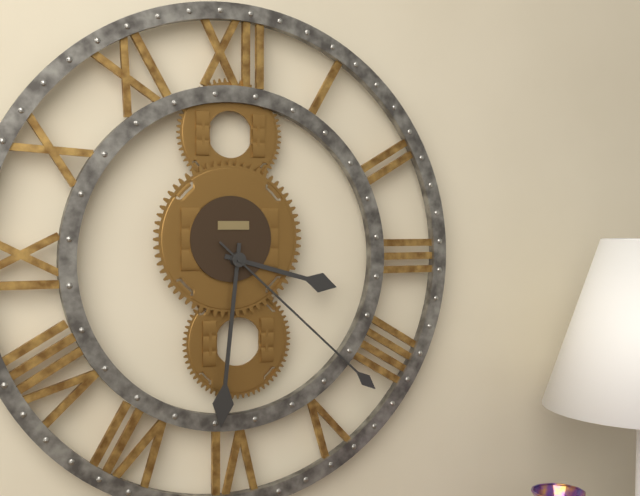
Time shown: {"hour": 3, "minute": 31, "second": 22}
